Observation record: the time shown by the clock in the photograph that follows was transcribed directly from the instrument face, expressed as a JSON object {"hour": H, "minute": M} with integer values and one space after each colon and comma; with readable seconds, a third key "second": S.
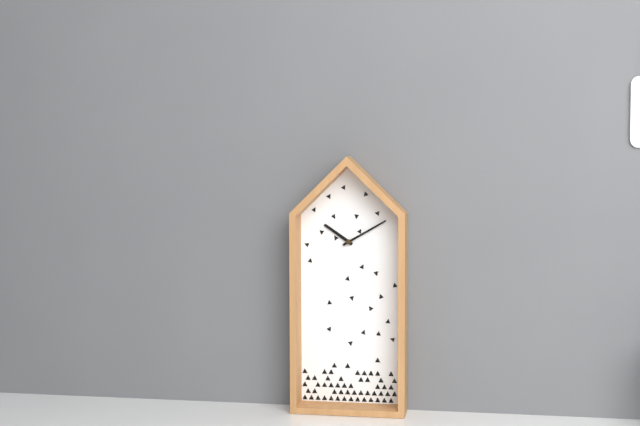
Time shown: {"hour": 10, "minute": 10}
